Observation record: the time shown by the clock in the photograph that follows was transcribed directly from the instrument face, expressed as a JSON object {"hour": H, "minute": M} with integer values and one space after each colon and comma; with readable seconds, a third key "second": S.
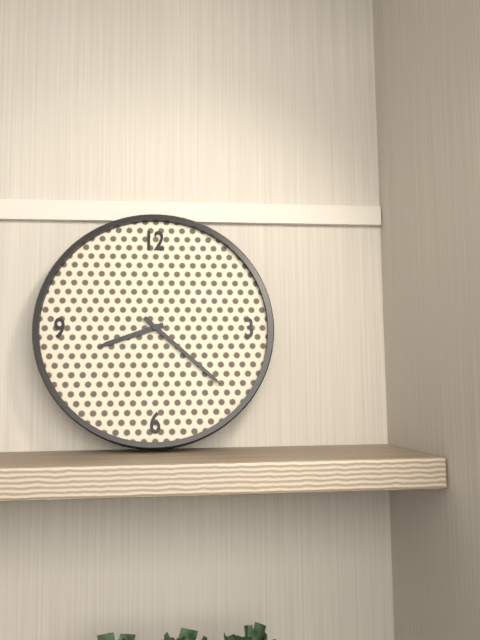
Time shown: {"hour": 8, "minute": 22}
